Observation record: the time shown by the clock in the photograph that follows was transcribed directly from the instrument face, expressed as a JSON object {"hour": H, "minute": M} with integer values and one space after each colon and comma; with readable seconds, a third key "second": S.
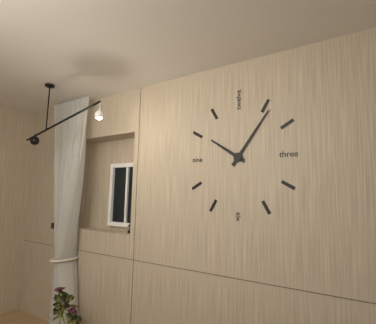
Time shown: {"hour": 10, "minute": 6}
